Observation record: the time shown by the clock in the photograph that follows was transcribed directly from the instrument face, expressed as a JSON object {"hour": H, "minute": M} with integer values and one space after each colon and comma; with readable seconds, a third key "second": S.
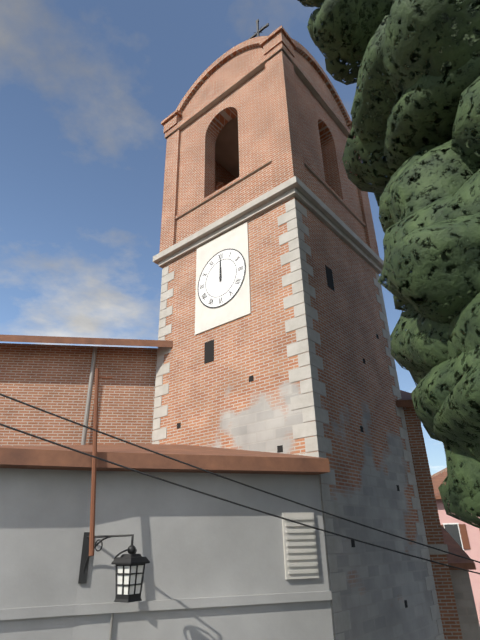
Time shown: {"hour": 12, "minute": 0}
